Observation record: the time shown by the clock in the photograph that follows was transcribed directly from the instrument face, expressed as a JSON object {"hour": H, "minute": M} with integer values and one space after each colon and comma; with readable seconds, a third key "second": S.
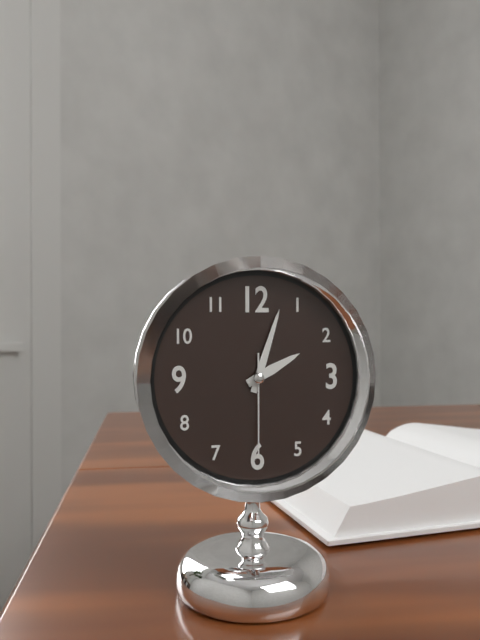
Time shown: {"hour": 2, "minute": 3, "second": 30}
